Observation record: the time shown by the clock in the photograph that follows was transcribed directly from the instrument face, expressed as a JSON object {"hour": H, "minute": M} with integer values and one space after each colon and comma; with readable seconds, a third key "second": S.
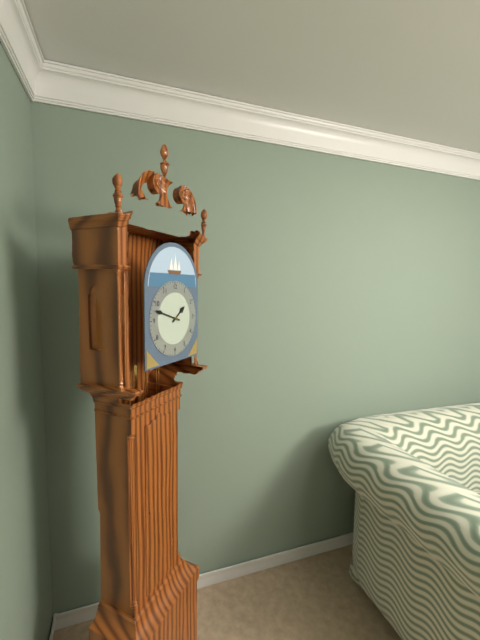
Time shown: {"hour": 1, "minute": 48}
